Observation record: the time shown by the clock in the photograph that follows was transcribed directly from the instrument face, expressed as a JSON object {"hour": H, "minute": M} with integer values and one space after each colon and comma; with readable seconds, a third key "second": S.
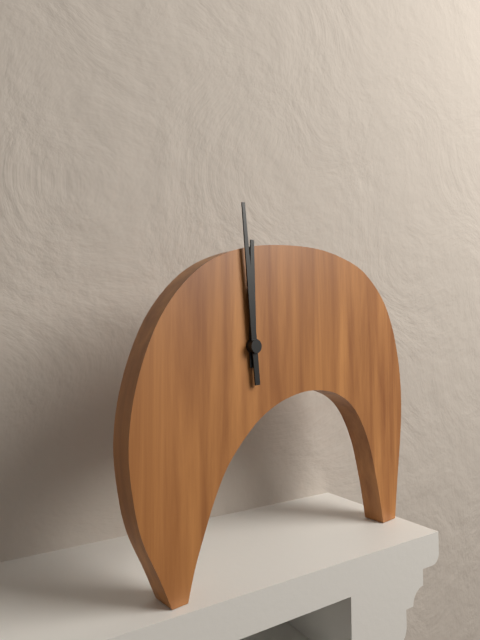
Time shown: {"hour": 11, "minute": 59}
